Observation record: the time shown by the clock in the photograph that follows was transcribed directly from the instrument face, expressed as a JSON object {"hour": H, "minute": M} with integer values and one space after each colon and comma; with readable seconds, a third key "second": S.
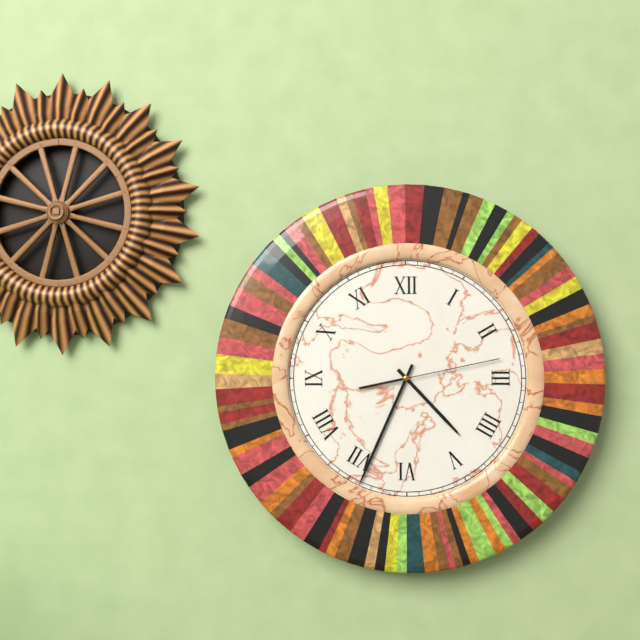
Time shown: {"hour": 4, "minute": 34, "second": 13}
